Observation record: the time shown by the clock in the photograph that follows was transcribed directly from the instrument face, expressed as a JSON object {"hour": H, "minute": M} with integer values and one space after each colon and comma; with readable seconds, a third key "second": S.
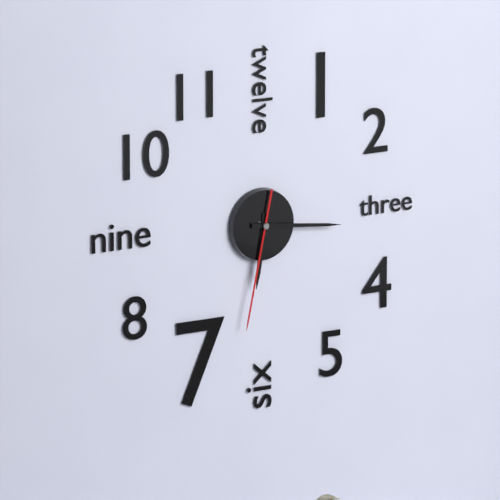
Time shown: {"hour": 6, "minute": 16, "second": 32}
